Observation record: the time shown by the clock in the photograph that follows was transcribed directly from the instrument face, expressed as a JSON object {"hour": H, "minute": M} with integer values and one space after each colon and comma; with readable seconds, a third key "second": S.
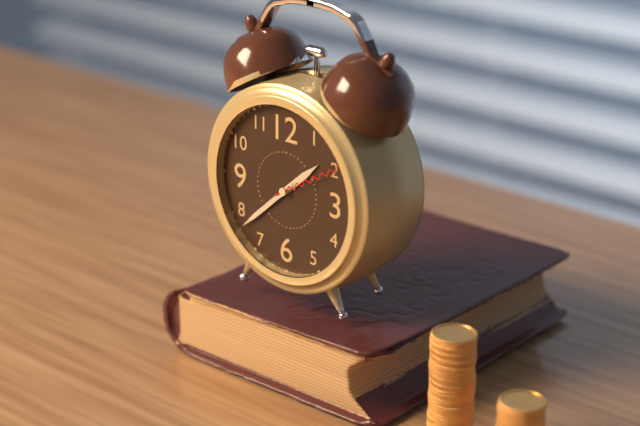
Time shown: {"hour": 1, "minute": 38, "second": 10}
